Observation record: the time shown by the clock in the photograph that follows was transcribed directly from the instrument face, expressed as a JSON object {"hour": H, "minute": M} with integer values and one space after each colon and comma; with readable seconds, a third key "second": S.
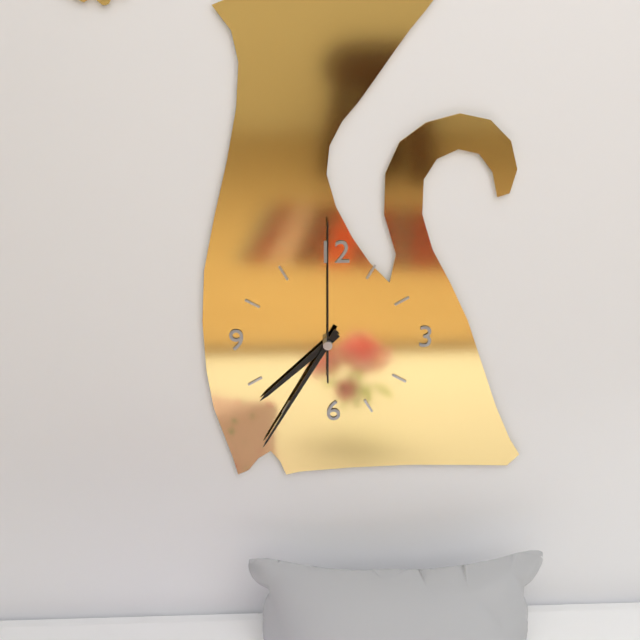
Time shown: {"hour": 7, "minute": 35, "second": 0}
